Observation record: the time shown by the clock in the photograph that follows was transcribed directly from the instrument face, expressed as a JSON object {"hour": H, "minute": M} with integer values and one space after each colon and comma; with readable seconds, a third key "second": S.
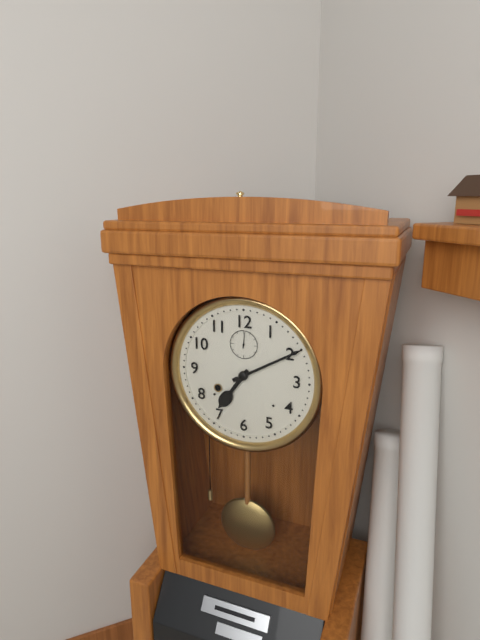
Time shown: {"hour": 7, "minute": 10}
